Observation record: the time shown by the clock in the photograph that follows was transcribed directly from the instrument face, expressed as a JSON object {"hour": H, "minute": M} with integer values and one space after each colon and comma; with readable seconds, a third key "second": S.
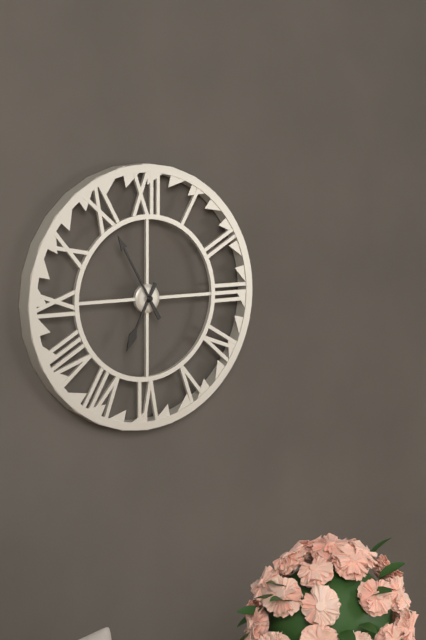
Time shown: {"hour": 6, "minute": 55}
